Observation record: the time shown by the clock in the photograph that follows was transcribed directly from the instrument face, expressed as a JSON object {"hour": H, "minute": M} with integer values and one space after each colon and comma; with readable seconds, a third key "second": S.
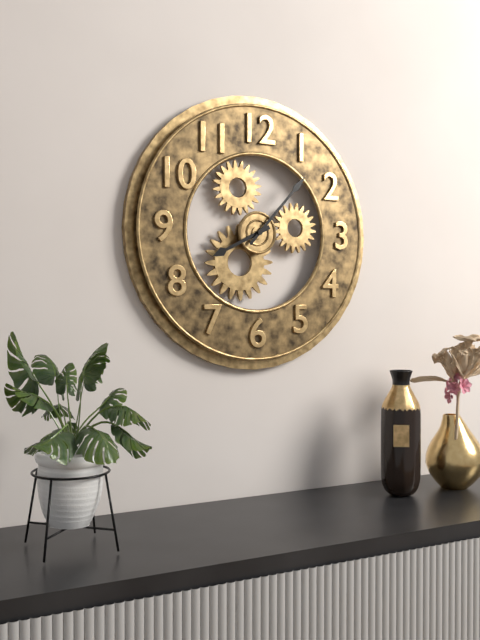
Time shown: {"hour": 8, "minute": 7}
